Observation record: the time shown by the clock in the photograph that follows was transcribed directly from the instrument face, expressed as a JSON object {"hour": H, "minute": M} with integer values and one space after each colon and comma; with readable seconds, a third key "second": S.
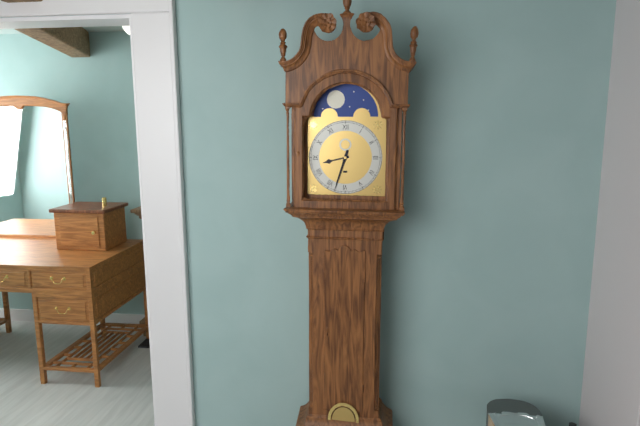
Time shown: {"hour": 8, "minute": 33}
